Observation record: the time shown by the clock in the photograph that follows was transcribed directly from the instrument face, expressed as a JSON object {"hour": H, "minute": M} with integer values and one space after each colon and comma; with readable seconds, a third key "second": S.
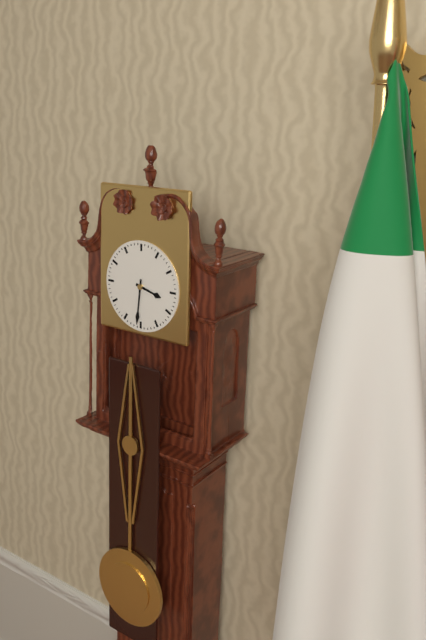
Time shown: {"hour": 3, "minute": 31}
